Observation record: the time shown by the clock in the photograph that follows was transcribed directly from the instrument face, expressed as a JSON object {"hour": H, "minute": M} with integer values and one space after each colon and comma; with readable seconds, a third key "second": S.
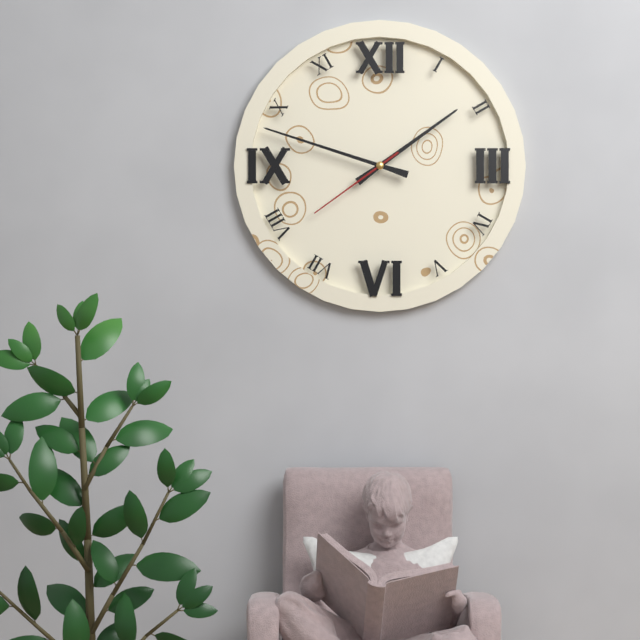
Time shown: {"hour": 1, "minute": 48, "second": 39}
